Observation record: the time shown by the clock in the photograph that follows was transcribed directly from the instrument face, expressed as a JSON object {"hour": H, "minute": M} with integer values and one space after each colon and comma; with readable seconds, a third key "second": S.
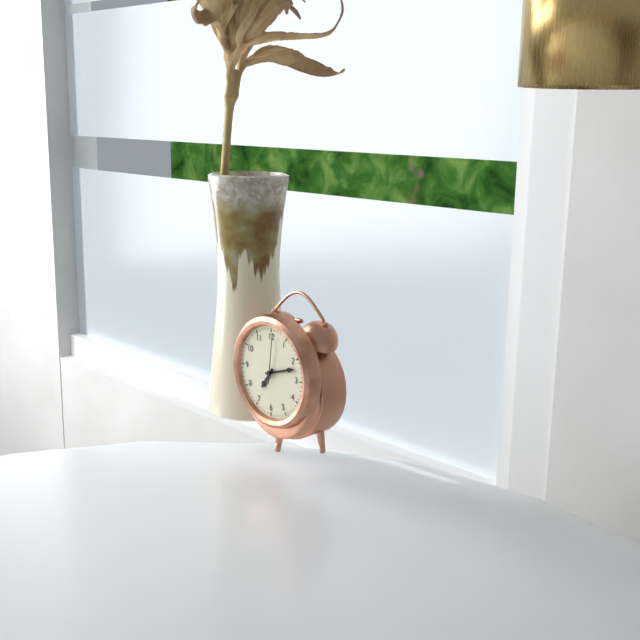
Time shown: {"hour": 7, "minute": 12}
